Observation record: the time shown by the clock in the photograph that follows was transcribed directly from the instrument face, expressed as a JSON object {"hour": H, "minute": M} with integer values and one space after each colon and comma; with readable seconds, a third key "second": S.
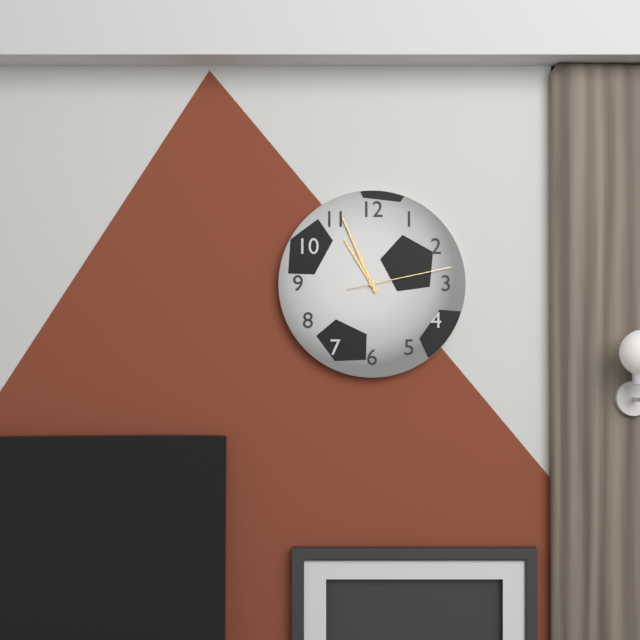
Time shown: {"hour": 10, "minute": 56, "second": 13}
